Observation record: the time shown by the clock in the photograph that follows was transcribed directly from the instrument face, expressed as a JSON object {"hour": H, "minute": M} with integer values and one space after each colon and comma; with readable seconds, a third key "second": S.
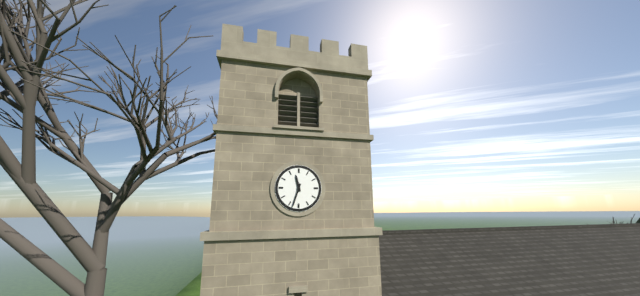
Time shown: {"hour": 11, "minute": 33}
